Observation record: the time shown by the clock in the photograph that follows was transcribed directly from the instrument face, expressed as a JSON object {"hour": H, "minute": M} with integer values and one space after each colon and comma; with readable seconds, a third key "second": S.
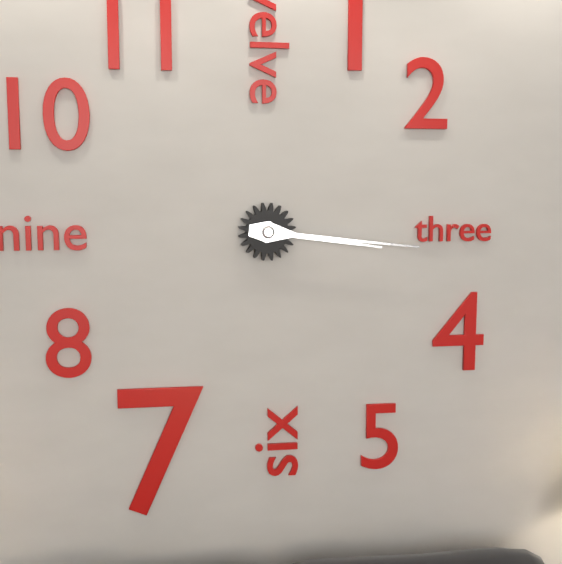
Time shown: {"hour": 3, "minute": 16}
